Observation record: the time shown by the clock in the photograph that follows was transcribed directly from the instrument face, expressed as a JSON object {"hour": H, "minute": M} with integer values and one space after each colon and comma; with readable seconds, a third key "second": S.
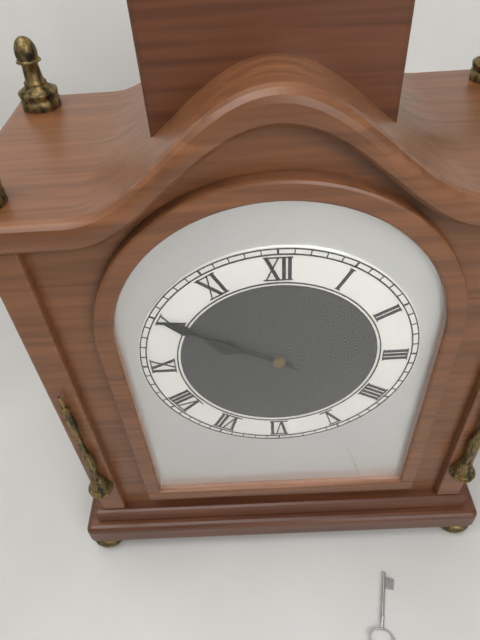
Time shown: {"hour": 9, "minute": 50}
